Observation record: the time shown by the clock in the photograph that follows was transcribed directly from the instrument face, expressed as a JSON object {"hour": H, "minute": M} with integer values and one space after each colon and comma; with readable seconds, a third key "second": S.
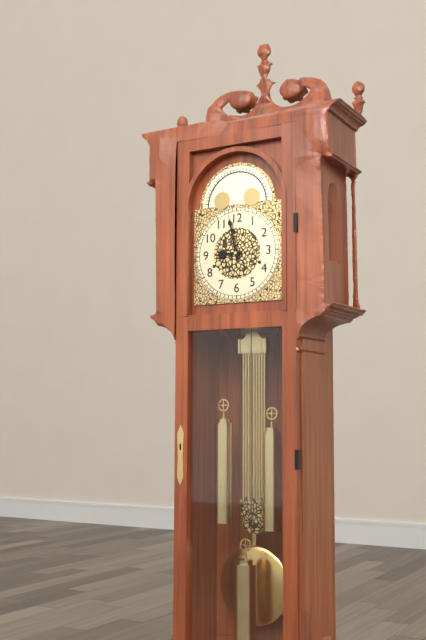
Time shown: {"hour": 8, "minute": 58}
